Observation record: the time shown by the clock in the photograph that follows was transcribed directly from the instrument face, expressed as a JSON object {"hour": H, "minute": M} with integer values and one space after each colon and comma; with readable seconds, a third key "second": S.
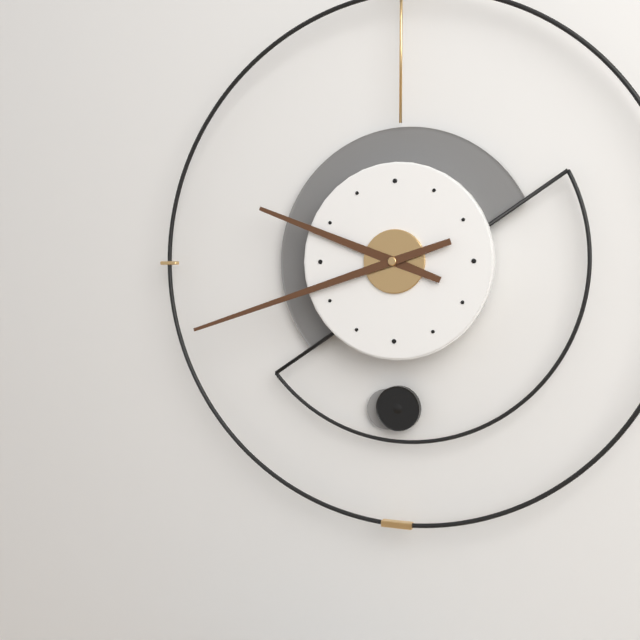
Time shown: {"hour": 9, "minute": 42}
